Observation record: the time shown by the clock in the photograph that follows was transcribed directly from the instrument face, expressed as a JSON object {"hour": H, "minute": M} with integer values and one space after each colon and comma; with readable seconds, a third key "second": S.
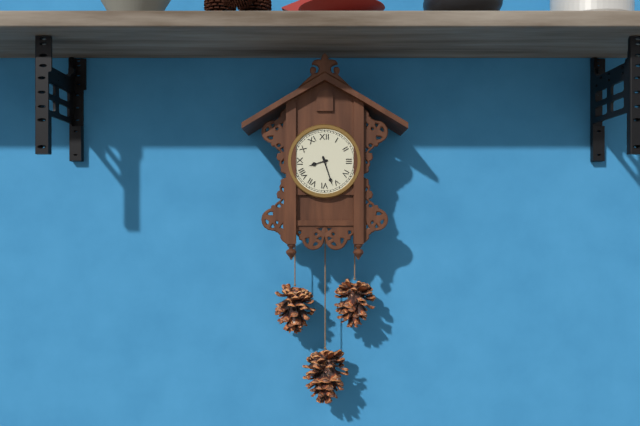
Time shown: {"hour": 8, "minute": 27}
